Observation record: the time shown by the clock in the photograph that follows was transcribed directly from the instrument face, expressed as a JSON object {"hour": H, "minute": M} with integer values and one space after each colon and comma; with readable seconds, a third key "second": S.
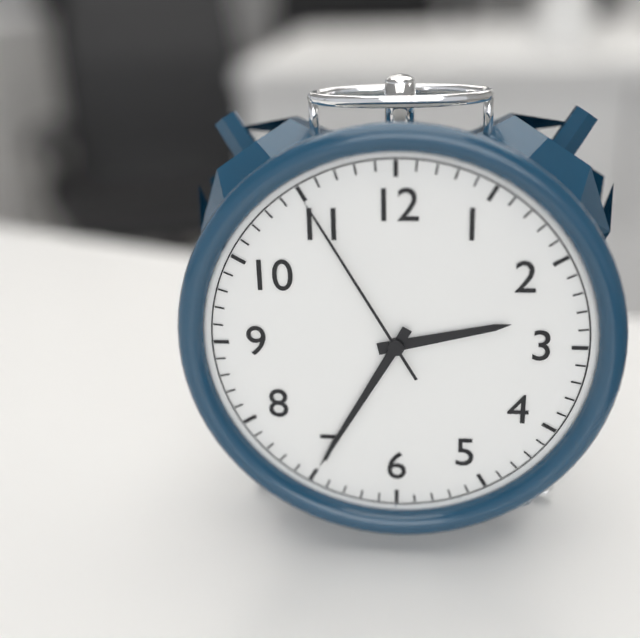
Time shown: {"hour": 2, "minute": 35, "second": 55}
